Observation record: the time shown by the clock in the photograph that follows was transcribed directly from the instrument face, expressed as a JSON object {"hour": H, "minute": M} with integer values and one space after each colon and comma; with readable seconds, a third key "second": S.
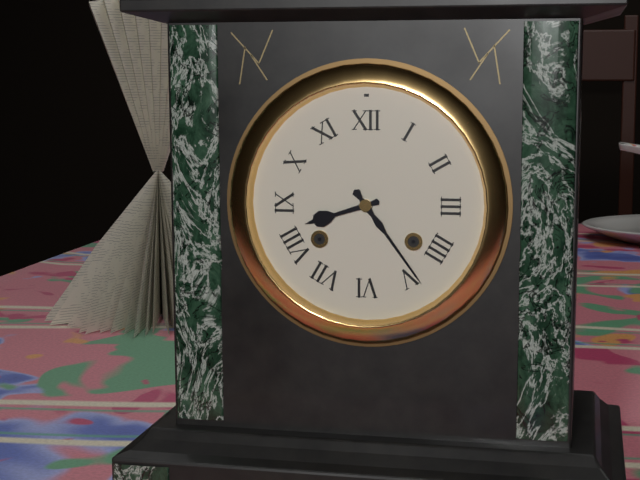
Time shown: {"hour": 8, "minute": 24}
